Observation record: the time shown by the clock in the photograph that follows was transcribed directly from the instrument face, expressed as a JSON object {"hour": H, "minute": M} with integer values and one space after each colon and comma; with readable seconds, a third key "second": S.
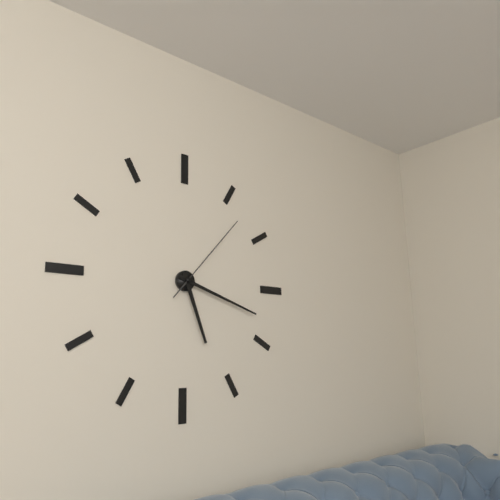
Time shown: {"hour": 5, "minute": 18, "second": 7}
